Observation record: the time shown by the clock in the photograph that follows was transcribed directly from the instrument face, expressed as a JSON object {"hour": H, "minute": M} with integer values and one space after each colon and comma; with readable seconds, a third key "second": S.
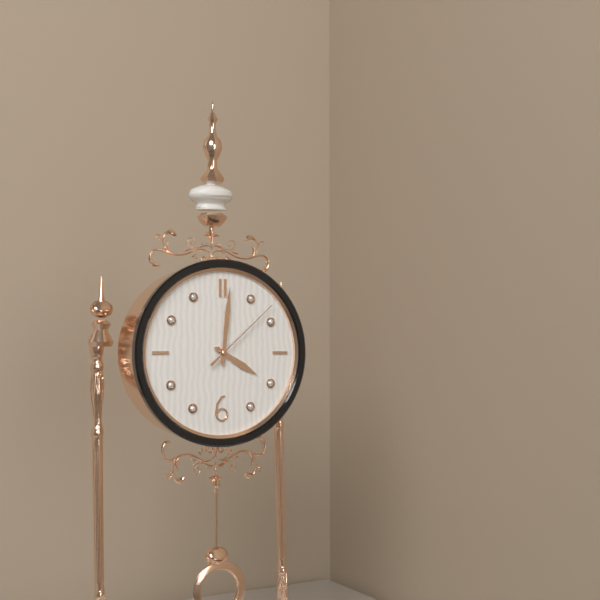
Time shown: {"hour": 4, "minute": 1, "second": 8}
